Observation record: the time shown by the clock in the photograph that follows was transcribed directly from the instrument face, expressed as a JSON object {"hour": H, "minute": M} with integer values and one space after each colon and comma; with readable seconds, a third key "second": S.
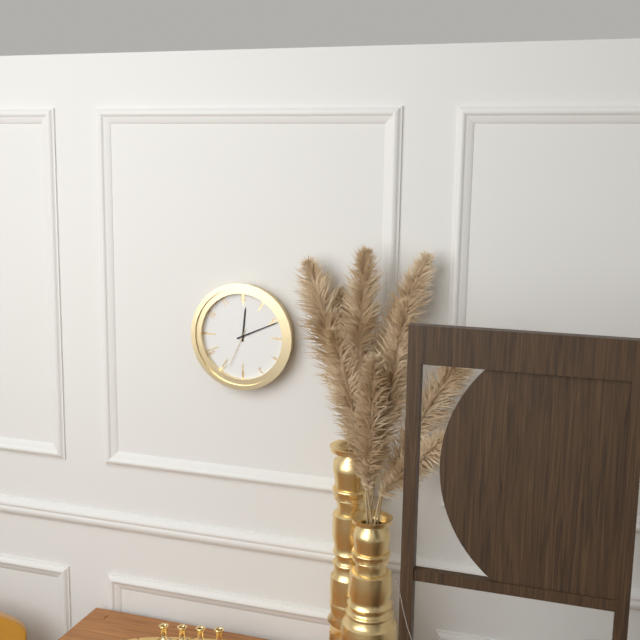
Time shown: {"hour": 12, "minute": 11}
